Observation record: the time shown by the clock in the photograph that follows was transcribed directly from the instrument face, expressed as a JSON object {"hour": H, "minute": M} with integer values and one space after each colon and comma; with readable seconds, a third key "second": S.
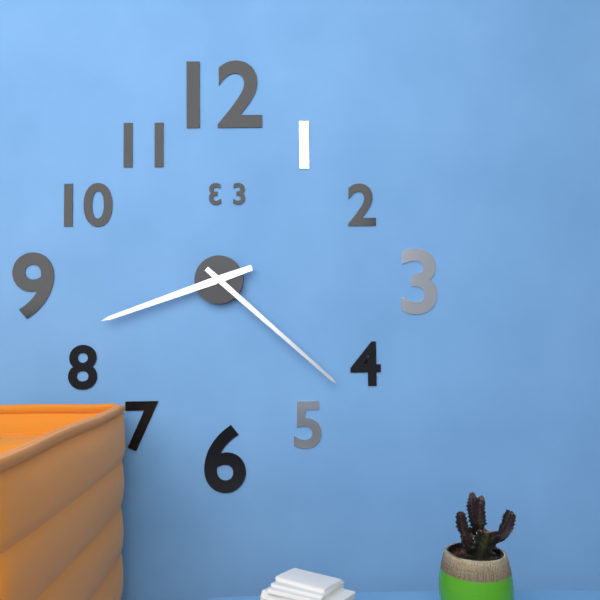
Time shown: {"hour": 8, "minute": 22}
